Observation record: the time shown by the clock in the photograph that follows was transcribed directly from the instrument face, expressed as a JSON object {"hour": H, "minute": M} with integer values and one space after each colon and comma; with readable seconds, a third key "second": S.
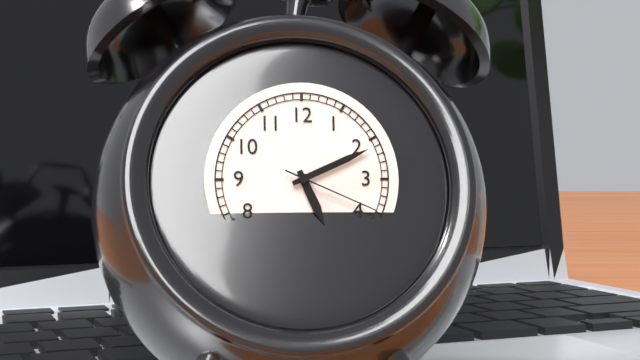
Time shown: {"hour": 5, "minute": 11, "second": 19}
